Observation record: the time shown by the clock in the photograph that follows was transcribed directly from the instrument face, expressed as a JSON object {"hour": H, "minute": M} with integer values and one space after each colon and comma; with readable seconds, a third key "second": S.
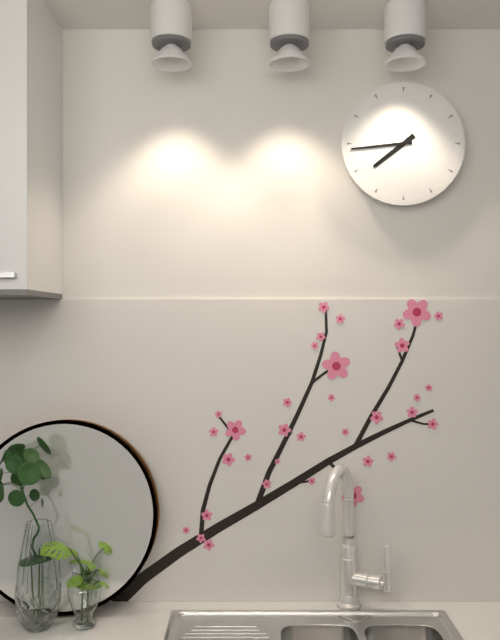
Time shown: {"hour": 7, "minute": 44}
